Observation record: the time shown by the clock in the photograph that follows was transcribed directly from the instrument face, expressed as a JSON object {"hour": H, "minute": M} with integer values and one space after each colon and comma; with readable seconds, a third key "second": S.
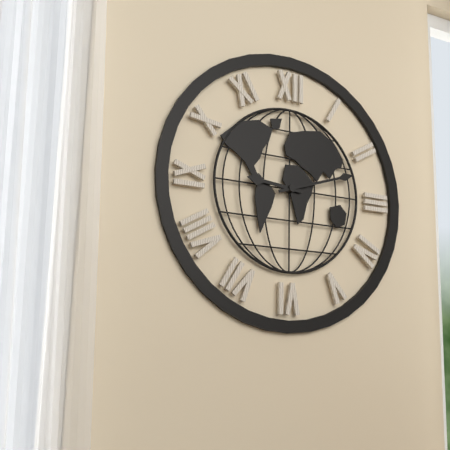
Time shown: {"hour": 9, "minute": 12}
